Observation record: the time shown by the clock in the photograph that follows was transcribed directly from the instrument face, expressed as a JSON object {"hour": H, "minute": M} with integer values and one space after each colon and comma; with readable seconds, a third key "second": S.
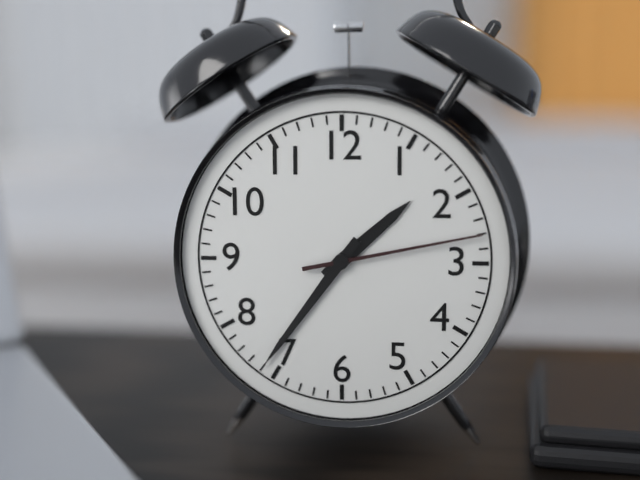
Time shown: {"hour": 1, "minute": 36, "second": 13}
